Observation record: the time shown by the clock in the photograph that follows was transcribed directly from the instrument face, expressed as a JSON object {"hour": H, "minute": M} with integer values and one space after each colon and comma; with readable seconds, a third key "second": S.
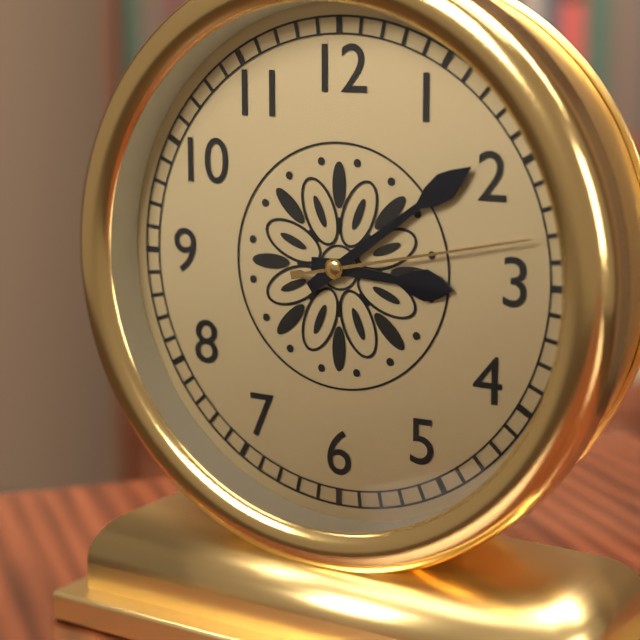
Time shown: {"hour": 3, "minute": 9, "second": 13}
